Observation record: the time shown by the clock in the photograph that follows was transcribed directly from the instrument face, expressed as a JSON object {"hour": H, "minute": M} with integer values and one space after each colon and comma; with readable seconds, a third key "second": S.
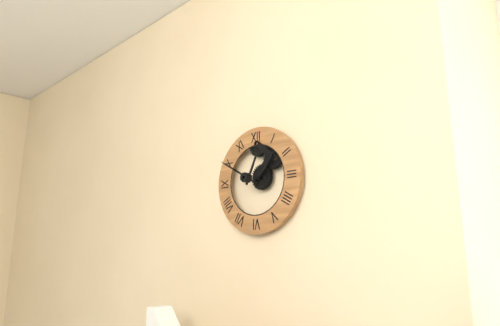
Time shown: {"hour": 12, "minute": 50}
